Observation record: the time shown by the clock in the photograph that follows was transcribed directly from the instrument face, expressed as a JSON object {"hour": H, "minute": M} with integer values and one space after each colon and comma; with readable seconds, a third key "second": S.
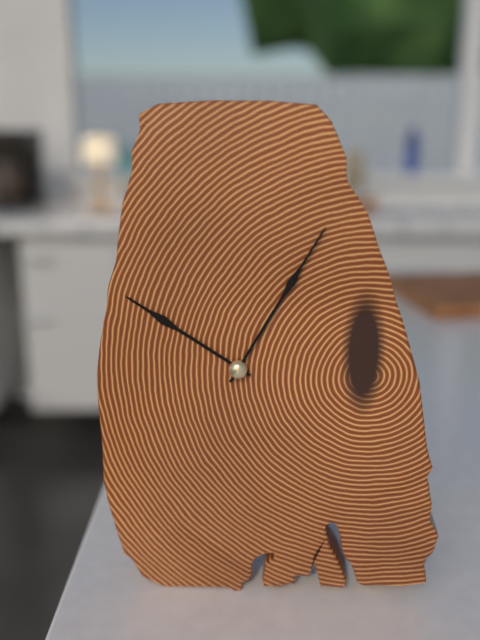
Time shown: {"hour": 10, "minute": 5}
